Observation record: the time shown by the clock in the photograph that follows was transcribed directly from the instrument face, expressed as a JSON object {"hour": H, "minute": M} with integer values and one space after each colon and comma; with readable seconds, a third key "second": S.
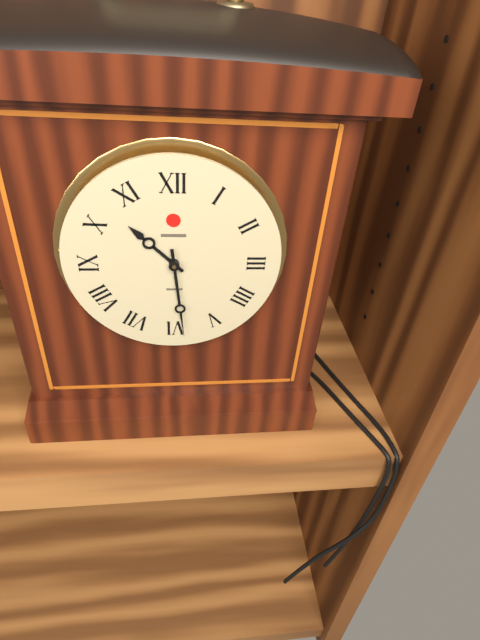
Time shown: {"hour": 10, "minute": 29}
